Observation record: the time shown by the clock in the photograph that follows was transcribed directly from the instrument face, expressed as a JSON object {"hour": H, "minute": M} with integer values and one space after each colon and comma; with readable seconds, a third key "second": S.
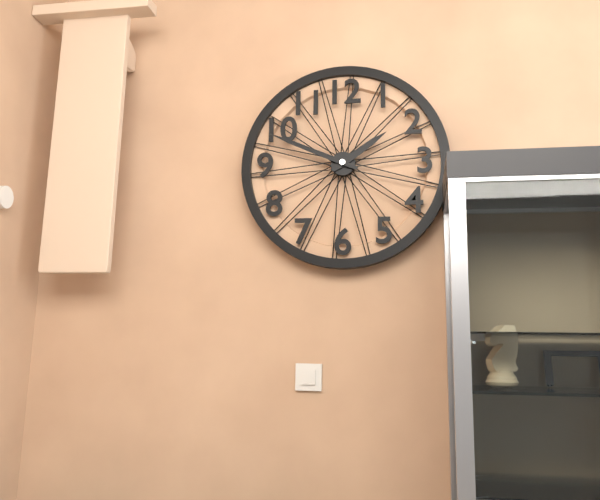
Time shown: {"hour": 1, "minute": 49}
